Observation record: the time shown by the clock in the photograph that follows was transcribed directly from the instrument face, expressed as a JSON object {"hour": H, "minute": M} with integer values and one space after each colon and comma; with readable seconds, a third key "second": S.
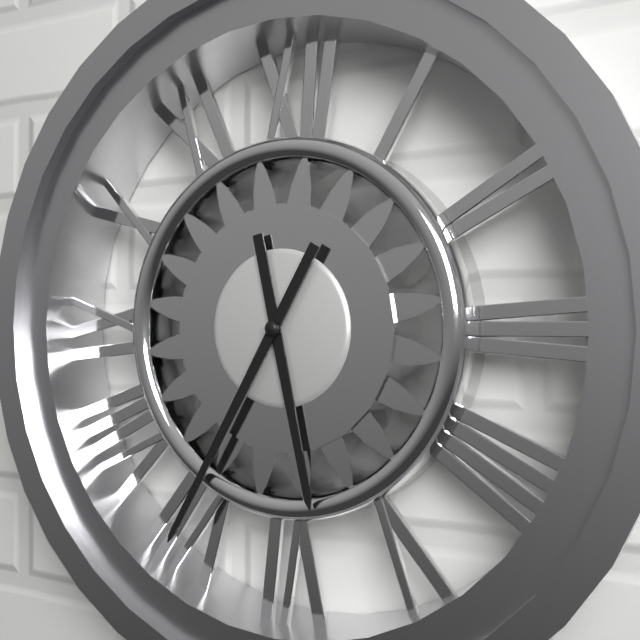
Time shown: {"hour": 5, "minute": 35}
